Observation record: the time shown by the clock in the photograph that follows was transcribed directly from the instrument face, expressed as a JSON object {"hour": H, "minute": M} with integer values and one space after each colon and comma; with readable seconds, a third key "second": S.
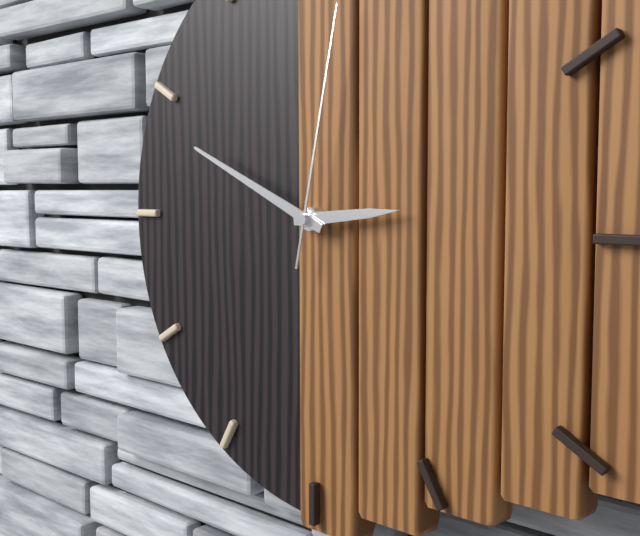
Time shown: {"hour": 2, "minute": 49, "second": 2}
